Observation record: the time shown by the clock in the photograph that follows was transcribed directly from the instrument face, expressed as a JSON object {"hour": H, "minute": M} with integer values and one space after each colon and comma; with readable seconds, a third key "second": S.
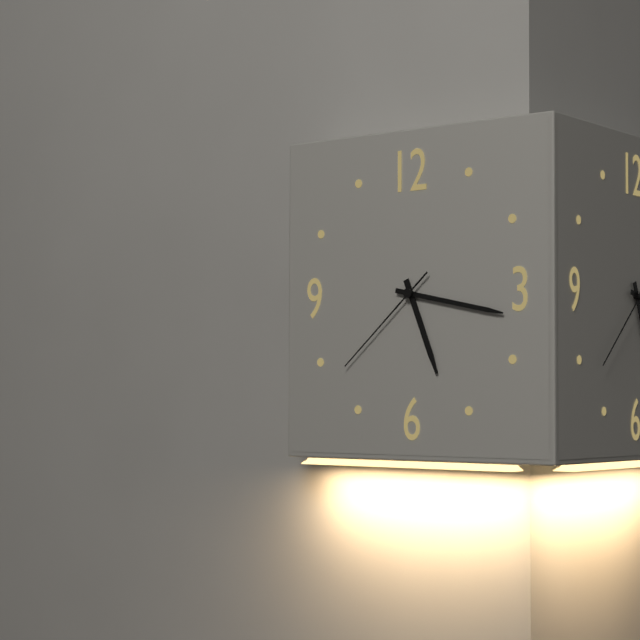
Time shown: {"hour": 5, "minute": 17, "second": 38}
